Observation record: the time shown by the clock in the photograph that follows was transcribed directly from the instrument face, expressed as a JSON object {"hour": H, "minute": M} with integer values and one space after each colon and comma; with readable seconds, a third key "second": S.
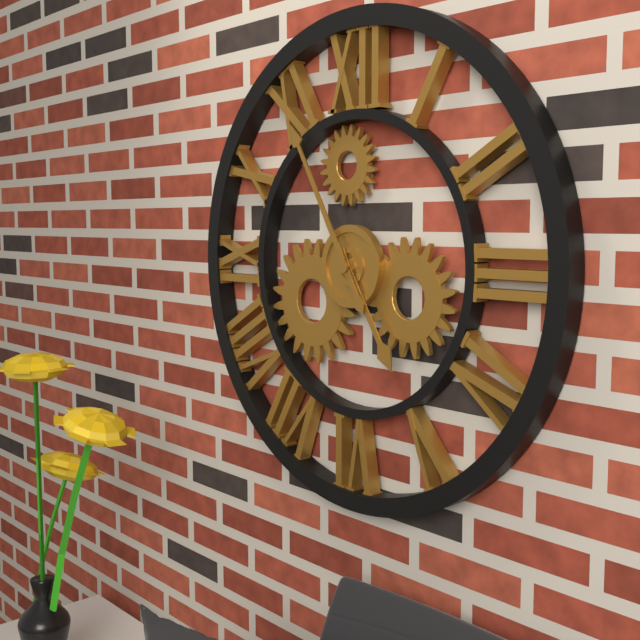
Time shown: {"hour": 4, "minute": 55}
